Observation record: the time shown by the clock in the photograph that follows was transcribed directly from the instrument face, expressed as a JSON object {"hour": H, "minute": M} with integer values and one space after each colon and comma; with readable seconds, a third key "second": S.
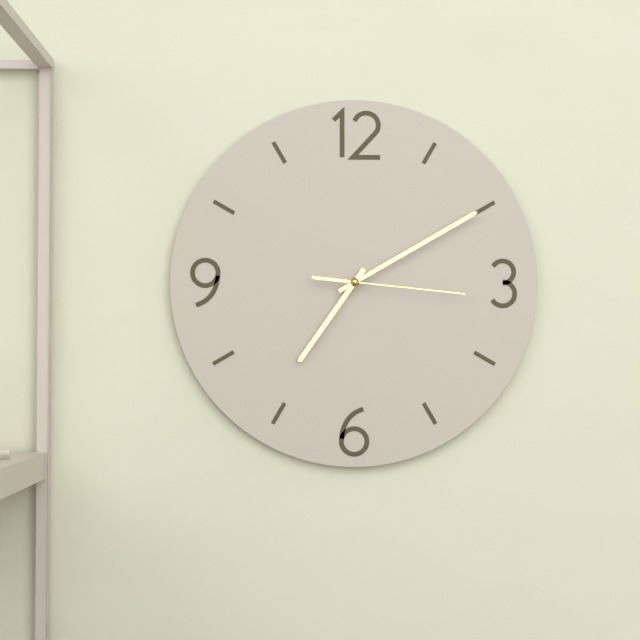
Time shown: {"hour": 7, "minute": 10, "second": 16}
